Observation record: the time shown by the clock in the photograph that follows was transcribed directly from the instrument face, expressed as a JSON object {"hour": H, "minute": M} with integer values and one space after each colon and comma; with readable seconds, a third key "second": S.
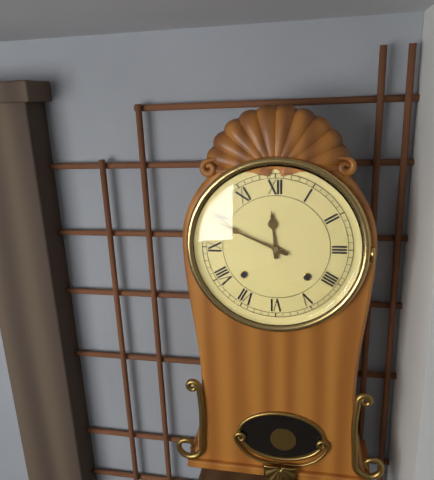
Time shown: {"hour": 11, "minute": 49}
